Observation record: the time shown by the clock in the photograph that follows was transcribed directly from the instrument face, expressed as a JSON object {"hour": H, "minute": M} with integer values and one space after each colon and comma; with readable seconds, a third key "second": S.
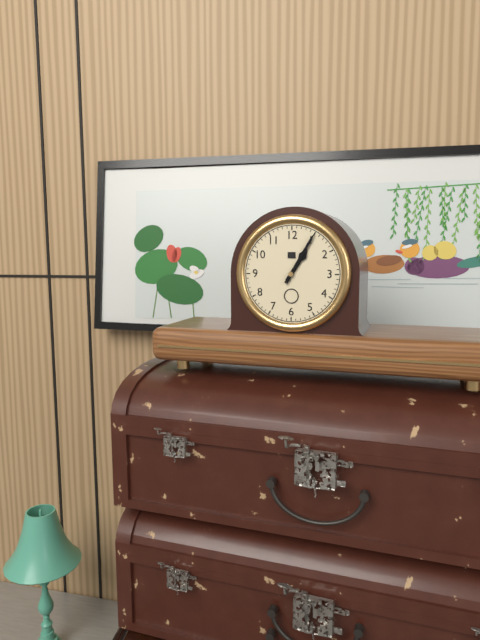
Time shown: {"hour": 1, "minute": 5}
